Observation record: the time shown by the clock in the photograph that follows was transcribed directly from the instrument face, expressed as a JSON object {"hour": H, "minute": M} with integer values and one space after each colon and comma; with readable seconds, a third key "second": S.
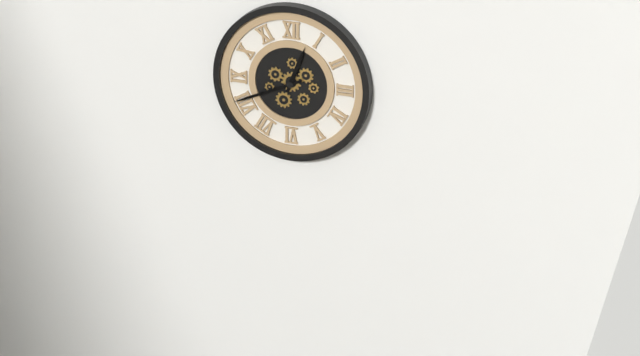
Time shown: {"hour": 12, "minute": 41}
